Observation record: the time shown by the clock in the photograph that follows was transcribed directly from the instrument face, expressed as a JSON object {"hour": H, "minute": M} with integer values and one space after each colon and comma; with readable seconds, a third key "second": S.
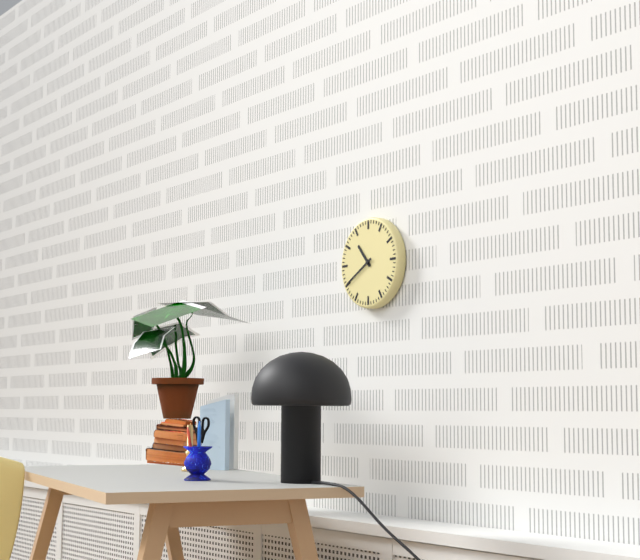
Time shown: {"hour": 10, "minute": 40}
